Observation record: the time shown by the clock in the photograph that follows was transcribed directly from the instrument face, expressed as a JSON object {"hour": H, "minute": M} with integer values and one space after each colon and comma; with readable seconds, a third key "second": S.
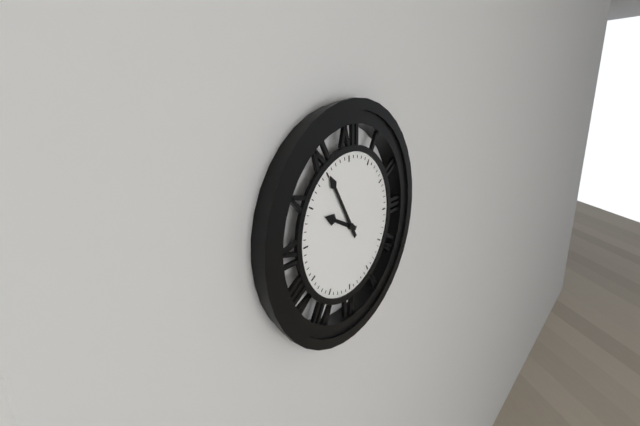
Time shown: {"hour": 9, "minute": 55}
